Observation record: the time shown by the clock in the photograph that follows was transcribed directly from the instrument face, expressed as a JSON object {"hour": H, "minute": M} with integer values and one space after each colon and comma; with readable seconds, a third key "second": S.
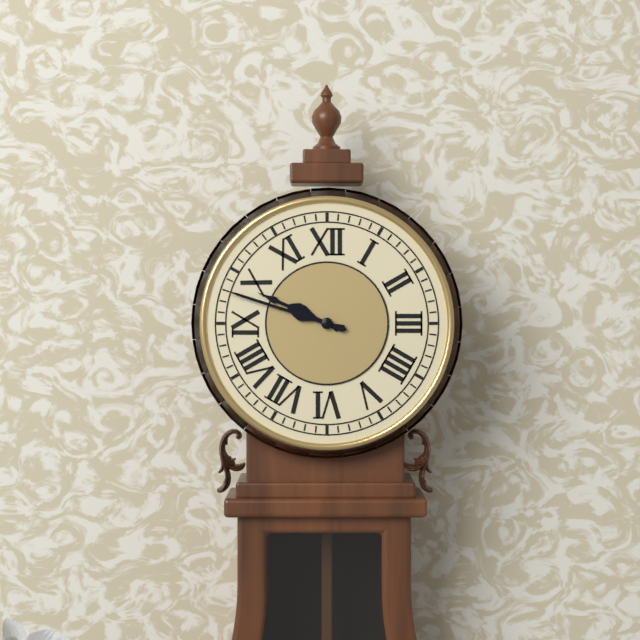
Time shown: {"hour": 9, "minute": 48}
